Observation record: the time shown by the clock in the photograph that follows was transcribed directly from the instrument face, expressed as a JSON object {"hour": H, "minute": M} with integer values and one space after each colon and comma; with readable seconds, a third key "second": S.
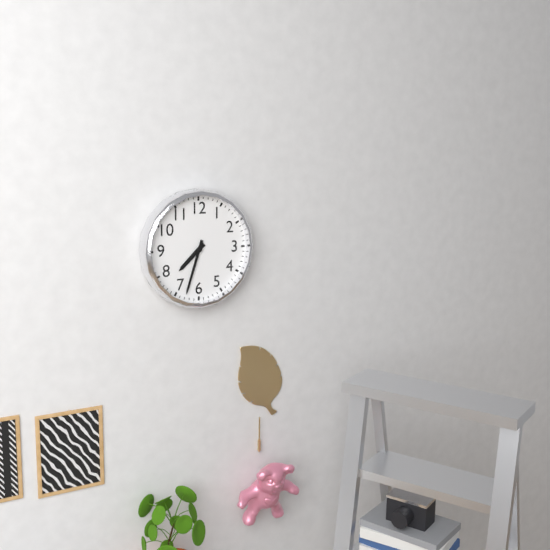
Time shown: {"hour": 7, "minute": 33}
